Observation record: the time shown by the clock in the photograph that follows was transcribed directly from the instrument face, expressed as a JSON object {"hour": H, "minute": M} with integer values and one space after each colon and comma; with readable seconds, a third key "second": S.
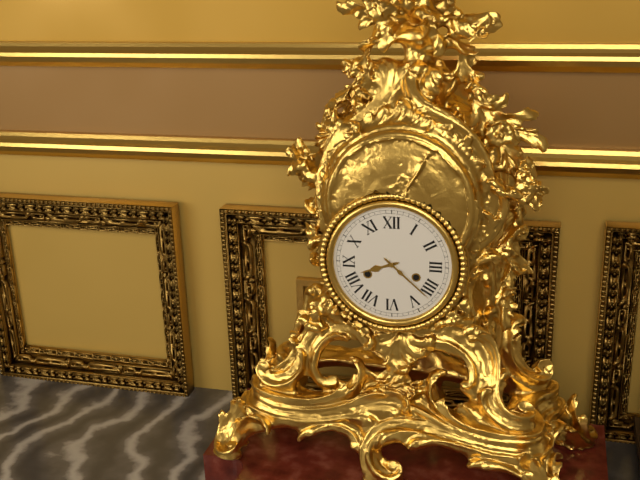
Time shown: {"hour": 8, "minute": 22}
